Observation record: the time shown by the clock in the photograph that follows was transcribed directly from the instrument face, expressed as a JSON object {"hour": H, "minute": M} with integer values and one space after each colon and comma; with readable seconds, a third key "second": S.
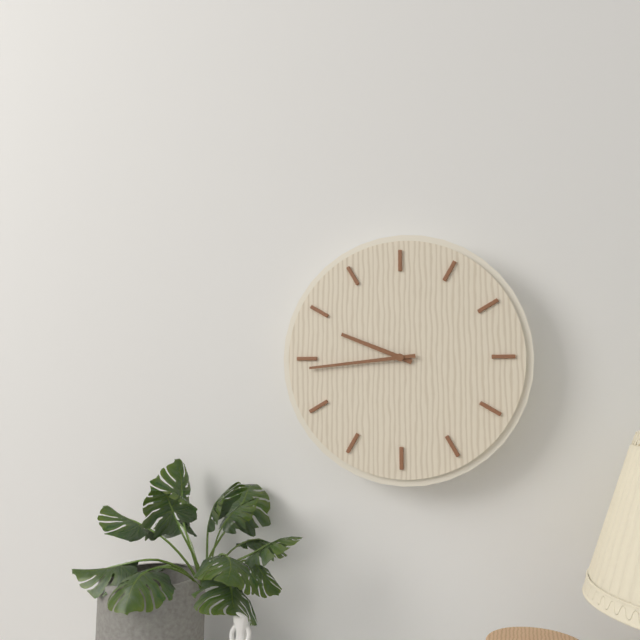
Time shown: {"hour": 9, "minute": 44}
